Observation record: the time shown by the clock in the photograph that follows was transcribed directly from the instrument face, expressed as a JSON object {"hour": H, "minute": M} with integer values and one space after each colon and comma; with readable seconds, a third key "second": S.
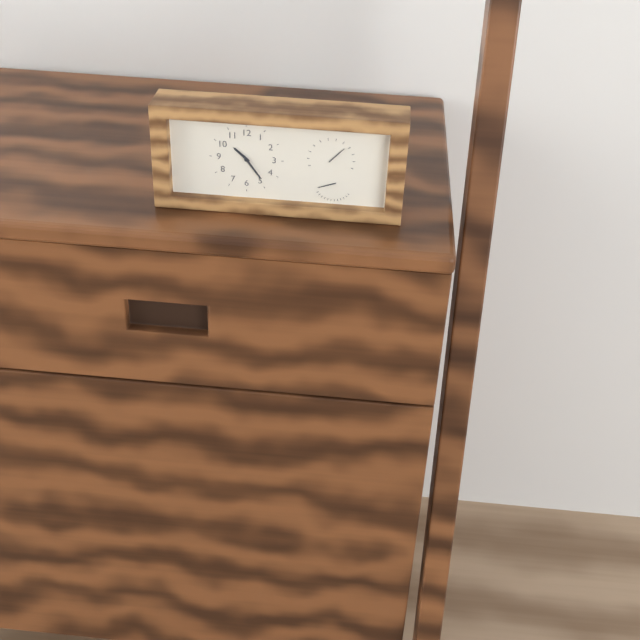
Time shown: {"hour": 10, "minute": 24}
